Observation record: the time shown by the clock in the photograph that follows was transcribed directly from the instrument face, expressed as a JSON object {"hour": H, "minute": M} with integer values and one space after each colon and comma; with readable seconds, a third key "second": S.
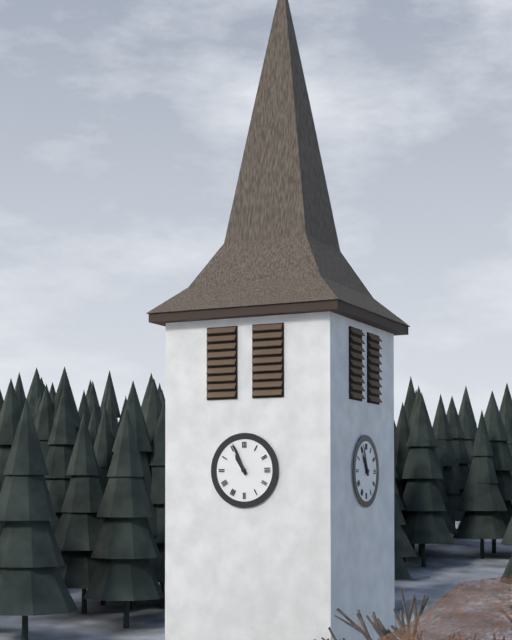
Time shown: {"hour": 10, "minute": 56}
